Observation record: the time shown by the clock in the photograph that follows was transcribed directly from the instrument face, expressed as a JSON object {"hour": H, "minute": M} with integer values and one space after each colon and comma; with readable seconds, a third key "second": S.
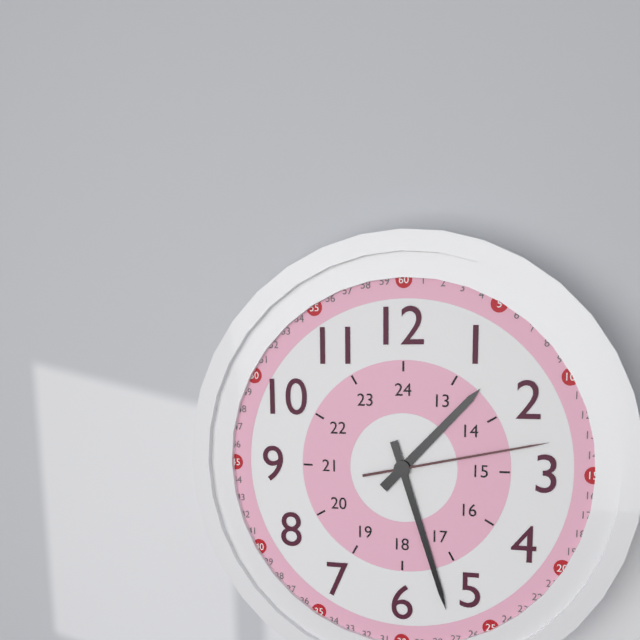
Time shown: {"hour": 1, "minute": 27, "second": 13}
